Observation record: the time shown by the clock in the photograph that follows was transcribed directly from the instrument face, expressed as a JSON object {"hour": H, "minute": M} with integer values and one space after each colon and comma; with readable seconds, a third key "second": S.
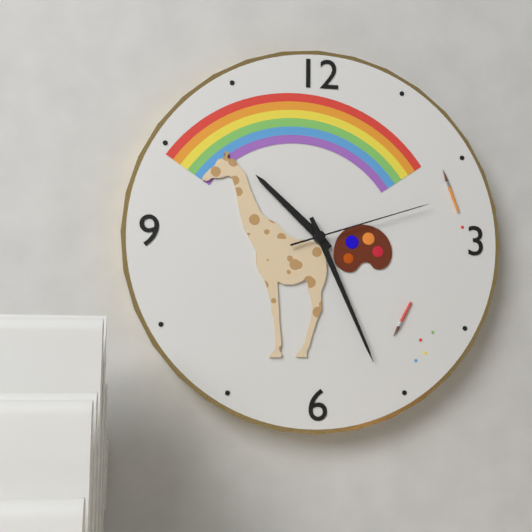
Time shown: {"hour": 10, "minute": 26, "second": 12}
